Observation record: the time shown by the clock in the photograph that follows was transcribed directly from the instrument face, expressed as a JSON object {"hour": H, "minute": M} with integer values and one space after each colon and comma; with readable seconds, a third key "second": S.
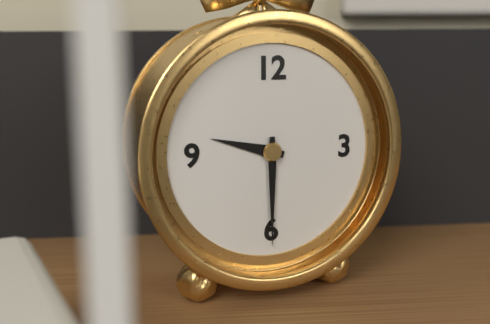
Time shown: {"hour": 9, "minute": 30}
